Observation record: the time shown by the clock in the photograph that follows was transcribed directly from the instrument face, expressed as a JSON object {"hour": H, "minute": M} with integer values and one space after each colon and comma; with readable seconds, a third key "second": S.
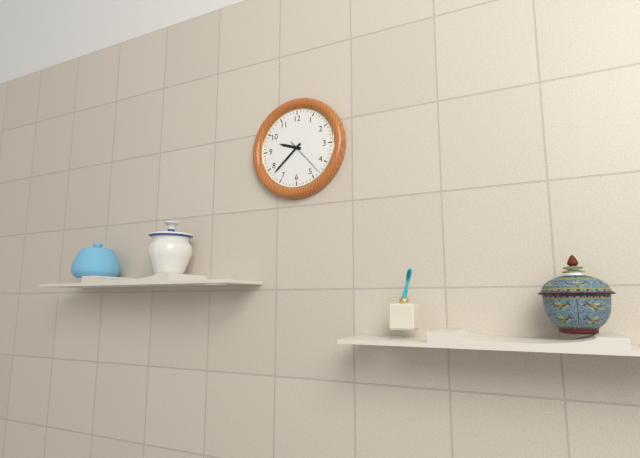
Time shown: {"hour": 9, "minute": 38}
